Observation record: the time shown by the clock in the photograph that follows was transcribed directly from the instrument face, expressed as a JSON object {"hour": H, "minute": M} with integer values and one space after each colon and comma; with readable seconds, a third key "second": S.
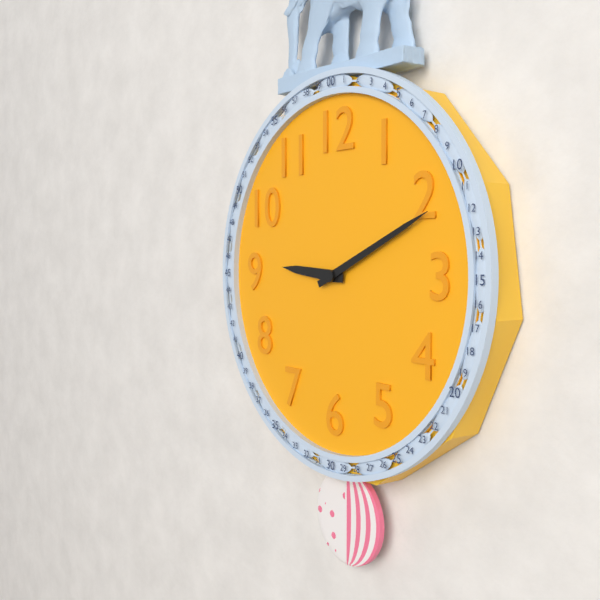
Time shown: {"hour": 9, "minute": 11}
